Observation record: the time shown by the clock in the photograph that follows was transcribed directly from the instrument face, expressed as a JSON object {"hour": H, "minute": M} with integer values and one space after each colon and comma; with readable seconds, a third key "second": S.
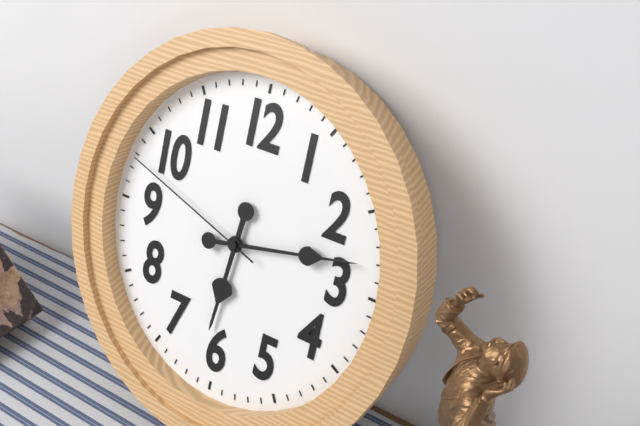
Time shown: {"hour": 6, "minute": 13, "second": 48}
